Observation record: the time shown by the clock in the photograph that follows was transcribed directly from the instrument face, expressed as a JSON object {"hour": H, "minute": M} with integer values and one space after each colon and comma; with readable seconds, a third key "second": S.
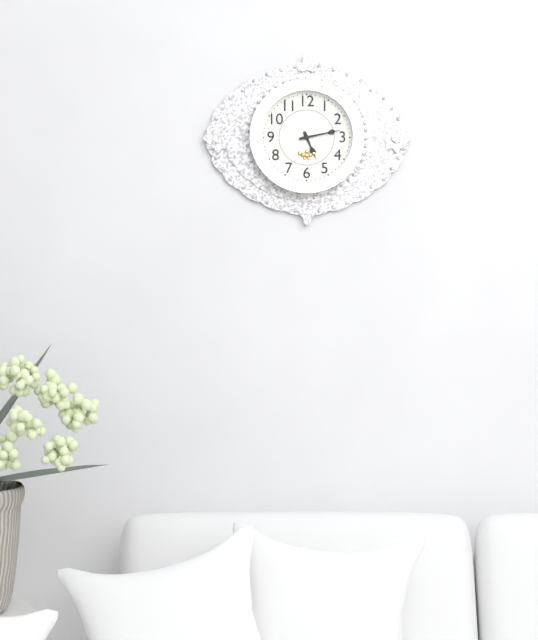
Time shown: {"hour": 5, "minute": 13}
